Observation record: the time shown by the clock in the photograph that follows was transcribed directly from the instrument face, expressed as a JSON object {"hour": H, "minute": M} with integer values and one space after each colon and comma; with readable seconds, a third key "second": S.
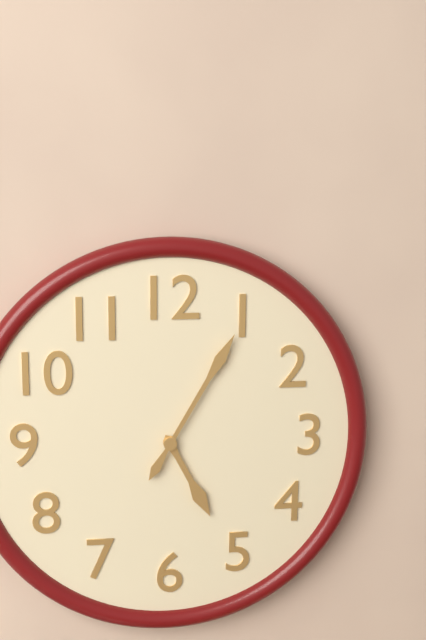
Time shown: {"hour": 5, "minute": 5}
